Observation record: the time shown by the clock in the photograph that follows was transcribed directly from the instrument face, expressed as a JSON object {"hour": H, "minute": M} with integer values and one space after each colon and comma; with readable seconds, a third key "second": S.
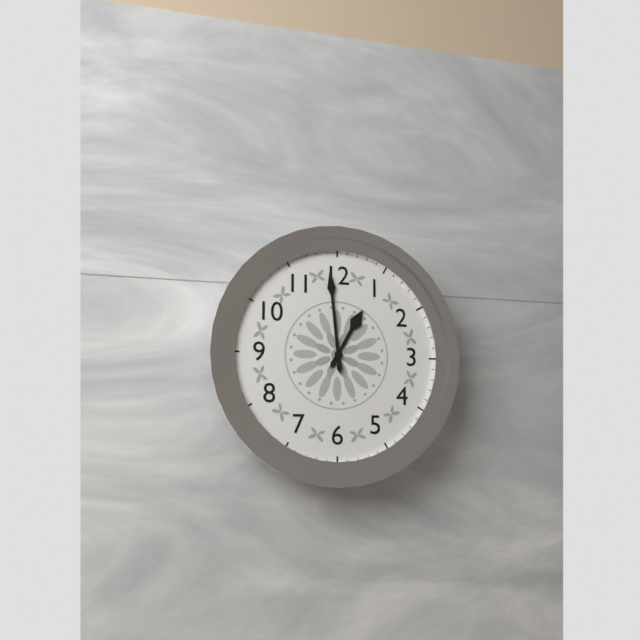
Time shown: {"hour": 12, "minute": 59}
